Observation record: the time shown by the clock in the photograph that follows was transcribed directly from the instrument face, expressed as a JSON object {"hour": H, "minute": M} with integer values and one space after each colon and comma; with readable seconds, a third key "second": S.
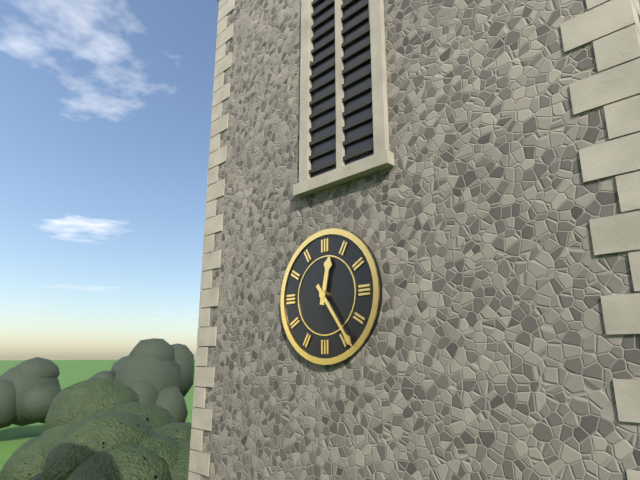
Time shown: {"hour": 12, "minute": 24}
